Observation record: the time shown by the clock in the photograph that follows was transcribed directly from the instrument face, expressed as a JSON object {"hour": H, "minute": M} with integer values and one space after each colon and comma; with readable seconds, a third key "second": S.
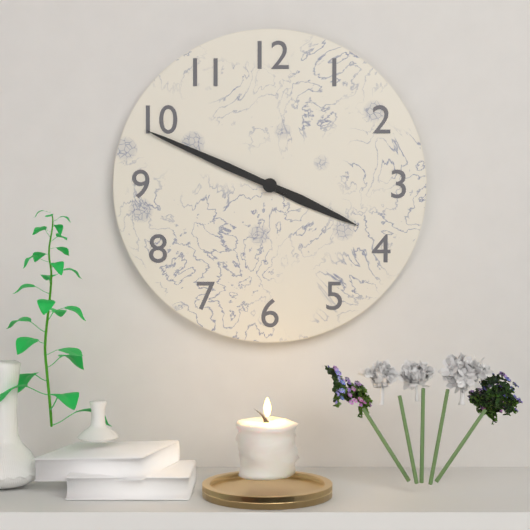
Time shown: {"hour": 3, "minute": 49}
